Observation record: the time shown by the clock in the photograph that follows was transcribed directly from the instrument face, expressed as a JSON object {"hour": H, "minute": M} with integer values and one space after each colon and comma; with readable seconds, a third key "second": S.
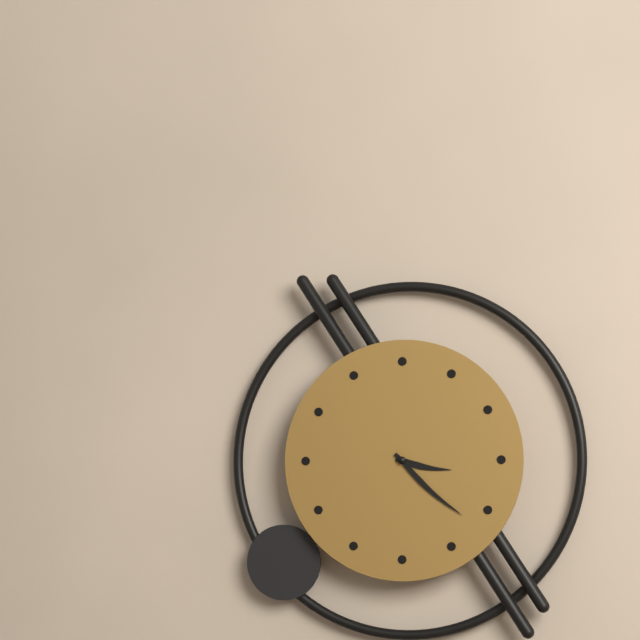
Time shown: {"hour": 3, "minute": 22}
